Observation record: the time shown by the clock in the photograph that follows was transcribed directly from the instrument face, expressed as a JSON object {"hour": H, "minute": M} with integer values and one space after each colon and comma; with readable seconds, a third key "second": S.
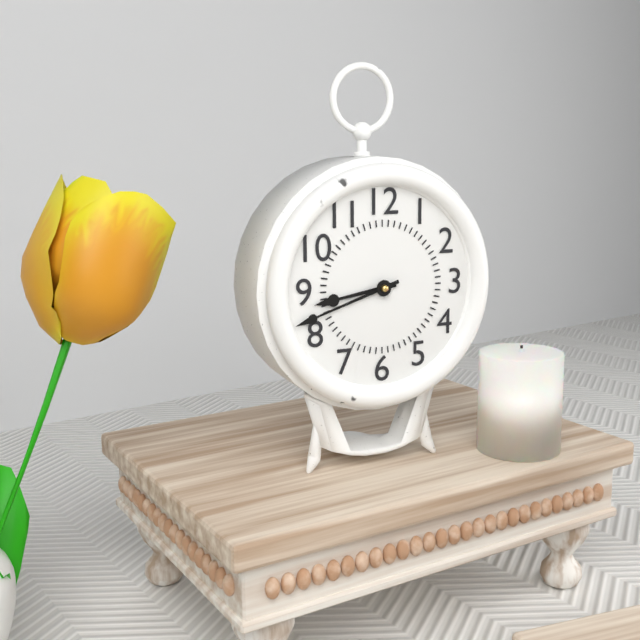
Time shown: {"hour": 8, "minute": 42}
